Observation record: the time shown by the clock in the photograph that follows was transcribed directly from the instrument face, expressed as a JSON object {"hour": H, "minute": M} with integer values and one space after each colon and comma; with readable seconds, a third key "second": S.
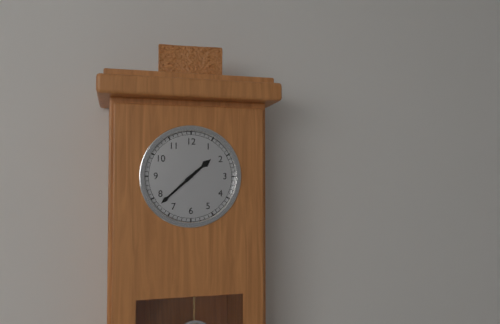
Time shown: {"hour": 1, "minute": 38}
